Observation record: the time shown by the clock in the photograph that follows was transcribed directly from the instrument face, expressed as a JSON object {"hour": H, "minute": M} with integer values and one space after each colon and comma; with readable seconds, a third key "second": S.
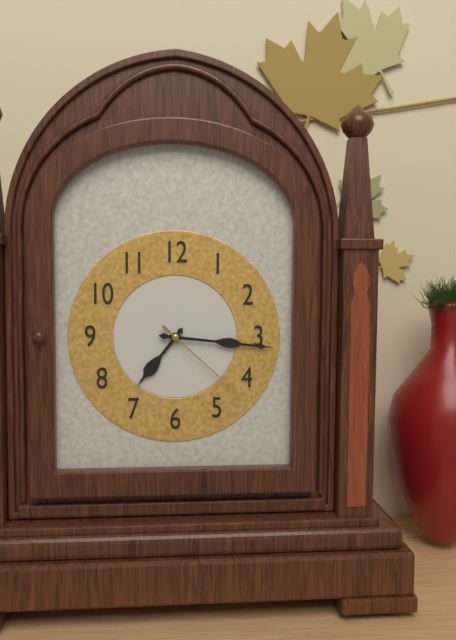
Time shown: {"hour": 7, "minute": 16, "second": 22}
